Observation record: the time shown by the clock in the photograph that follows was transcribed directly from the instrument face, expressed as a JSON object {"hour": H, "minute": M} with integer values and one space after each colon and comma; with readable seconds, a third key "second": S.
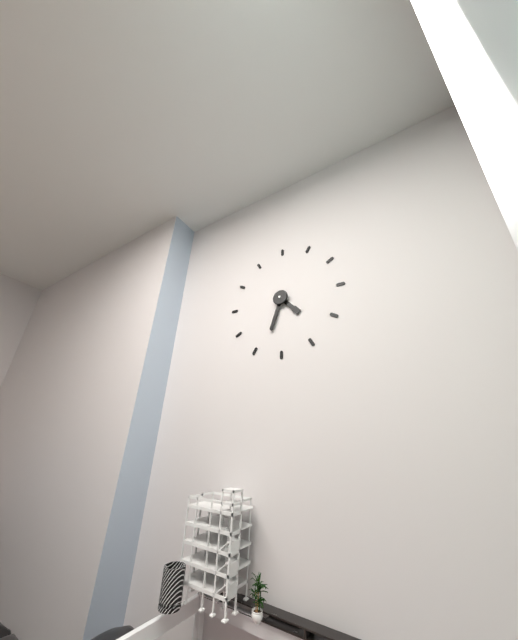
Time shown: {"hour": 4, "minute": 33}
